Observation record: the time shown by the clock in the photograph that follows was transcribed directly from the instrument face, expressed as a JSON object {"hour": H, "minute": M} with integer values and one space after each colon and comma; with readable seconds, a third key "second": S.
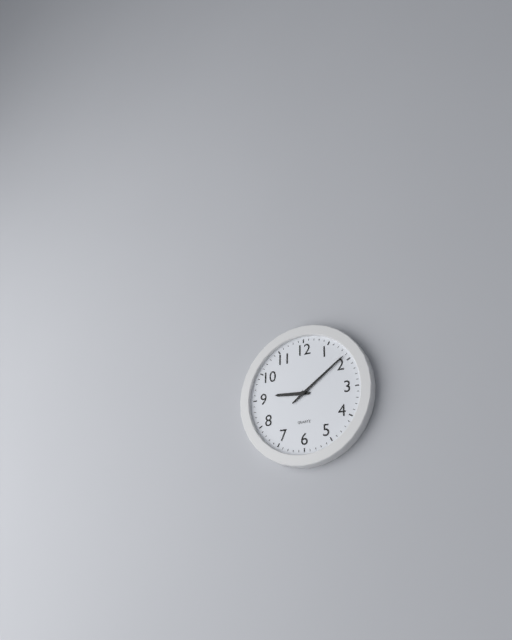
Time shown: {"hour": 9, "minute": 9}
